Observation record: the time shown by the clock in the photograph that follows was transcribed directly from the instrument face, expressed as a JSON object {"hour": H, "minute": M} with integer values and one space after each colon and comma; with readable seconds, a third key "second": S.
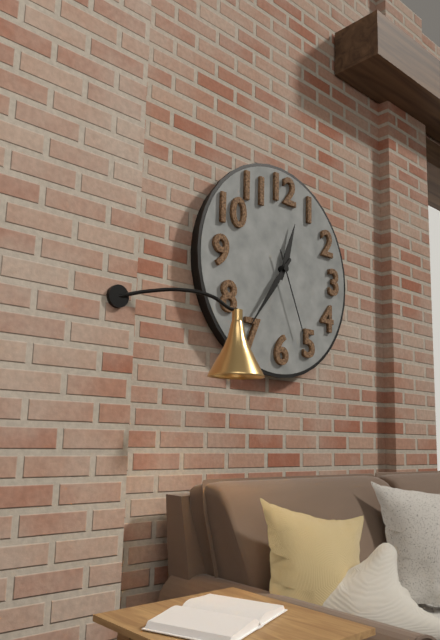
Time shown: {"hour": 12, "minute": 36, "second": 26}
